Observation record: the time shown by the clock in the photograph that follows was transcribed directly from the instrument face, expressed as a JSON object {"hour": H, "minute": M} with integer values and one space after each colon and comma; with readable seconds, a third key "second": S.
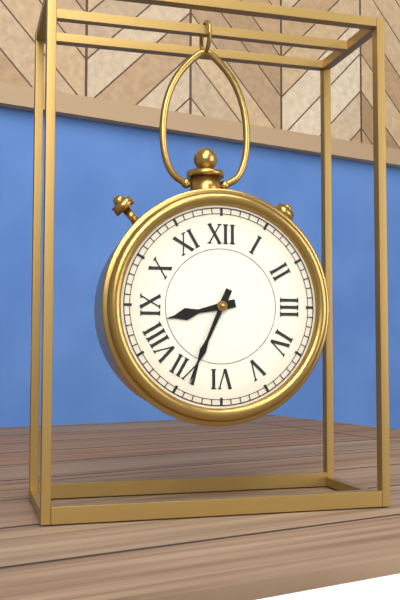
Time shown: {"hour": 8, "minute": 34}
